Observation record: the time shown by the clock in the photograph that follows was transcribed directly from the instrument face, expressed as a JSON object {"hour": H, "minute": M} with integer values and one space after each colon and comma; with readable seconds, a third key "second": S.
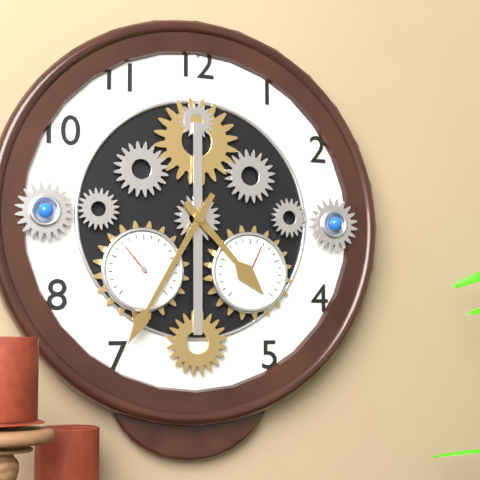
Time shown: {"hour": 4, "minute": 35}
